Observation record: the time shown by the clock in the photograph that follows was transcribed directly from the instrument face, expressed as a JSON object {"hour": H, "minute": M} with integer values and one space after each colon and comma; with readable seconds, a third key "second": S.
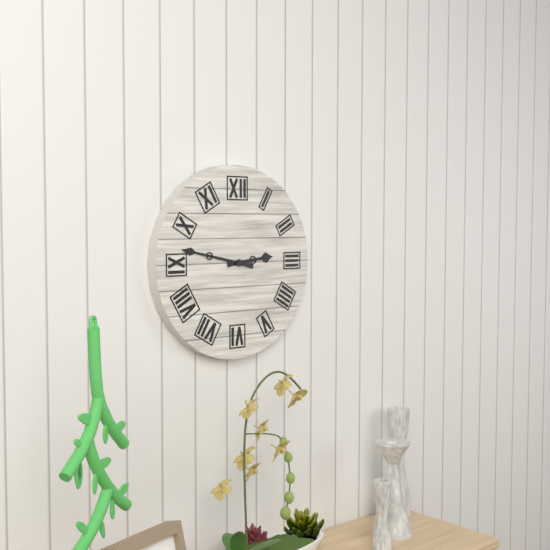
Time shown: {"hour": 2, "minute": 47}
